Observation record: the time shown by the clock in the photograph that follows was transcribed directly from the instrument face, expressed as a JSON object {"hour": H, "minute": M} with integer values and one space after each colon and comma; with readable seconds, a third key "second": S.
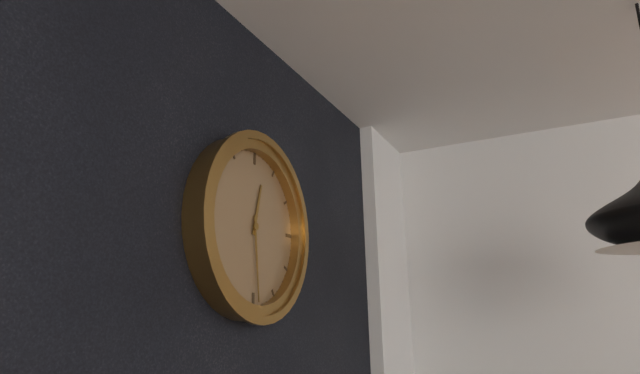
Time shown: {"hour": 12, "minute": 29}
